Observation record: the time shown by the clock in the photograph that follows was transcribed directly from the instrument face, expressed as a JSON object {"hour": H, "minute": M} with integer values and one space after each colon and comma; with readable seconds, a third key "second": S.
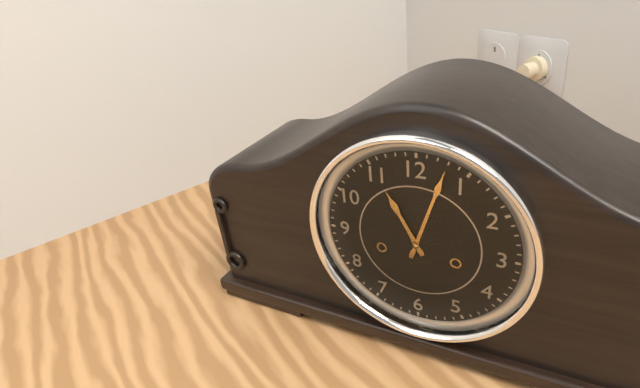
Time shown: {"hour": 11, "minute": 3}
